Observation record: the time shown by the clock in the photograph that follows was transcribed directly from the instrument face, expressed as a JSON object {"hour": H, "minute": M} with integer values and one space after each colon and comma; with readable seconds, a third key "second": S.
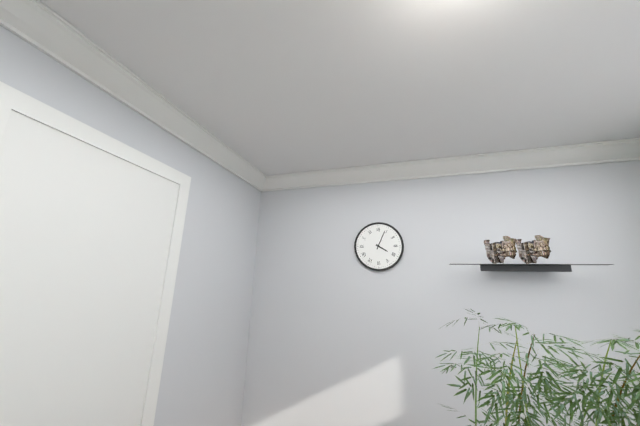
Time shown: {"hour": 4, "minute": 4}
